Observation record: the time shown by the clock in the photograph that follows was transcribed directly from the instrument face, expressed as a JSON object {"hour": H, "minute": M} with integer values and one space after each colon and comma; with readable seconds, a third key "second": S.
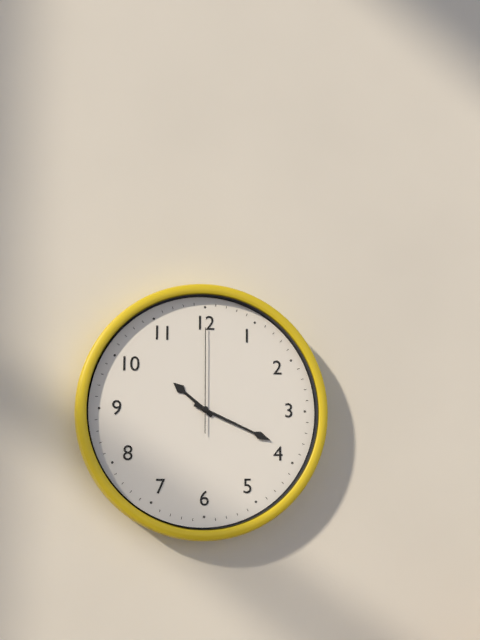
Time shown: {"hour": 10, "minute": 19, "second": 0}
